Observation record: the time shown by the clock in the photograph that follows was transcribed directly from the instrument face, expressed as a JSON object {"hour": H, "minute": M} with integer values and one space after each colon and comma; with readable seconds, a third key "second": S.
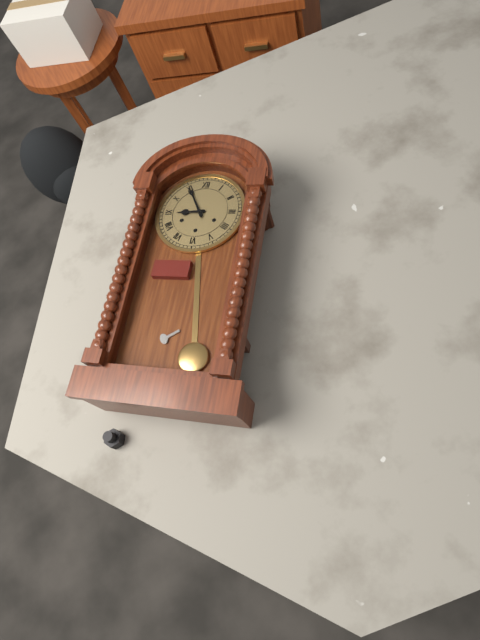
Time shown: {"hour": 8, "minute": 55}
